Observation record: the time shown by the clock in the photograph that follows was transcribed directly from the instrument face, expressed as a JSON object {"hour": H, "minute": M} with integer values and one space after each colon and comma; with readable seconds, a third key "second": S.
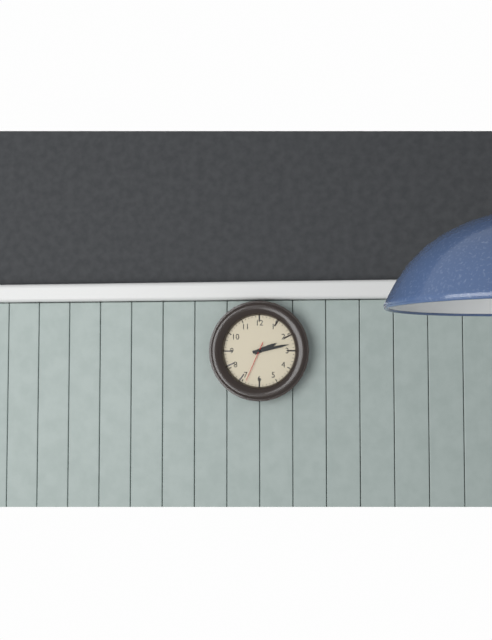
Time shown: {"hour": 2, "minute": 13}
